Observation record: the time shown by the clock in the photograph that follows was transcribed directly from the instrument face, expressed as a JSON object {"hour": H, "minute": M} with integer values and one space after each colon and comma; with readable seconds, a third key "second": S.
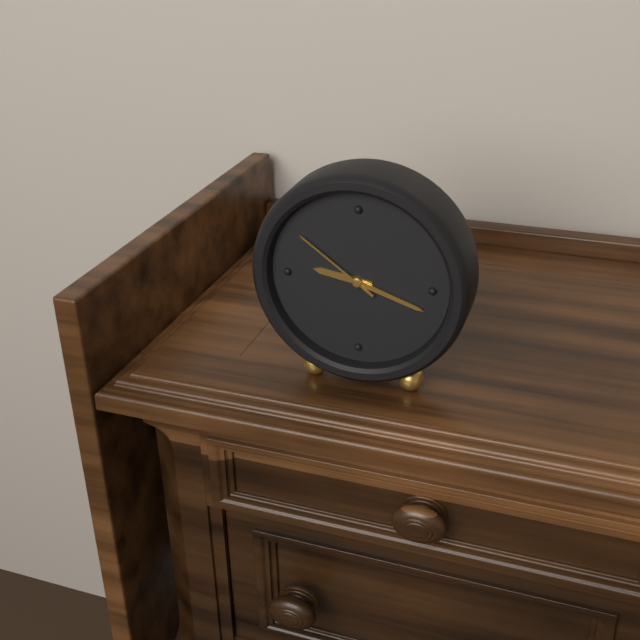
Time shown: {"hour": 9, "minute": 18, "second": 51}
